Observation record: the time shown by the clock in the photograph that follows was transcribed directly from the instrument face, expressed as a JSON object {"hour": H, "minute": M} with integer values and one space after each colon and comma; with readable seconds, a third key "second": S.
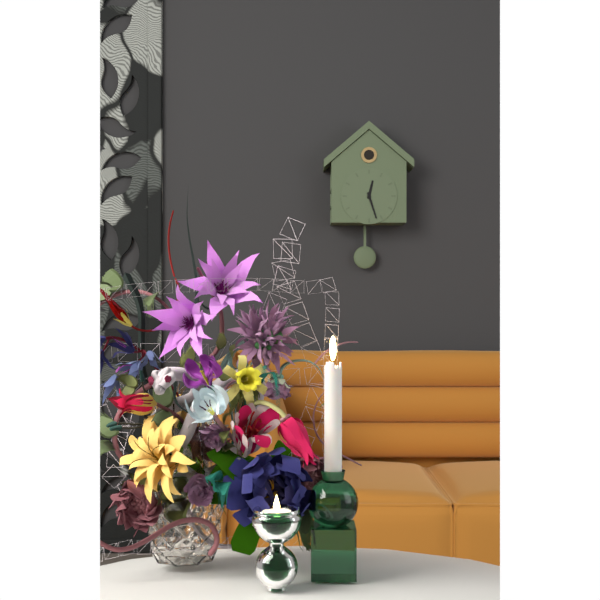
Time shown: {"hour": 12, "minute": 27}
